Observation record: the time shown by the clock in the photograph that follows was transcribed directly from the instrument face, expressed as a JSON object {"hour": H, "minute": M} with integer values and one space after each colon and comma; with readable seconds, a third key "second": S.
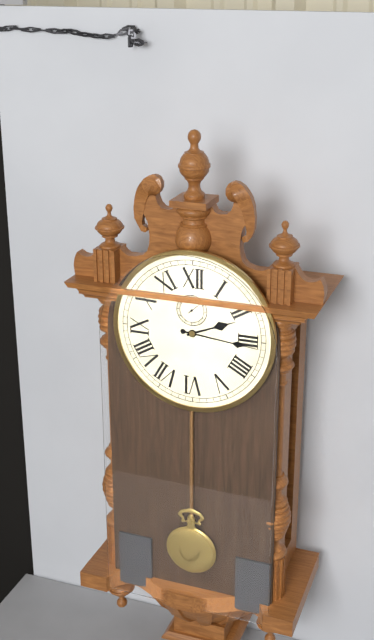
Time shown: {"hour": 2, "minute": 16}
